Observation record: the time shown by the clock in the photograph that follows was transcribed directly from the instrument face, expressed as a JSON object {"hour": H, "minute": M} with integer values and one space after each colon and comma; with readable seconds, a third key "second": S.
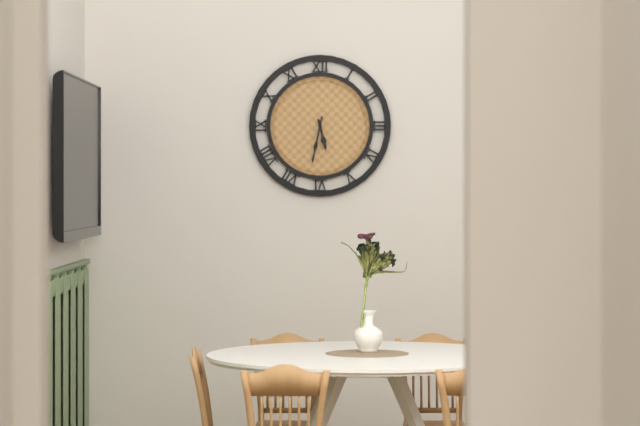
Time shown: {"hour": 5, "minute": 32}
